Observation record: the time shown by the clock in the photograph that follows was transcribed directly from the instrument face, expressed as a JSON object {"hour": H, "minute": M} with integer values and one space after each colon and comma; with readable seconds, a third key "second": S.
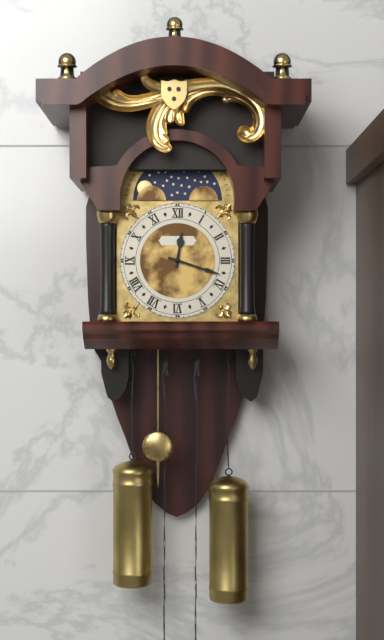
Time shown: {"hour": 12, "minute": 18}
